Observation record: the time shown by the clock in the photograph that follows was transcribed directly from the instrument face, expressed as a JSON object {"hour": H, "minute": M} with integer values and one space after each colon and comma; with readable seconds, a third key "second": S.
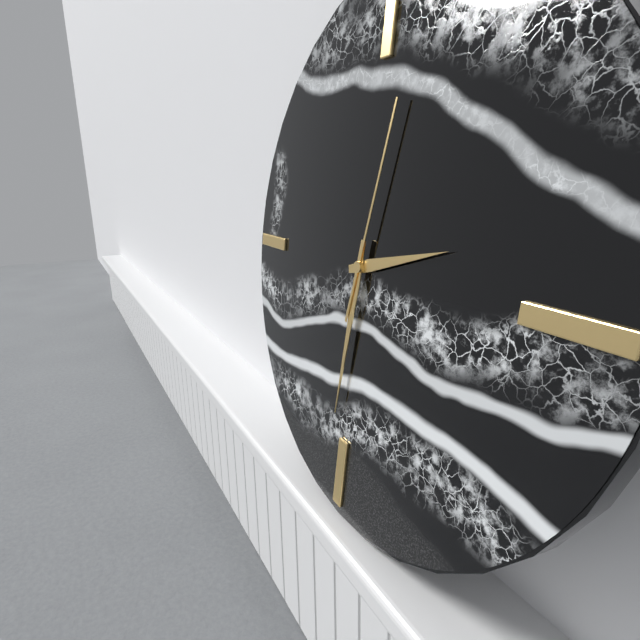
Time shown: {"hour": 2, "minute": 31, "second": 2}
